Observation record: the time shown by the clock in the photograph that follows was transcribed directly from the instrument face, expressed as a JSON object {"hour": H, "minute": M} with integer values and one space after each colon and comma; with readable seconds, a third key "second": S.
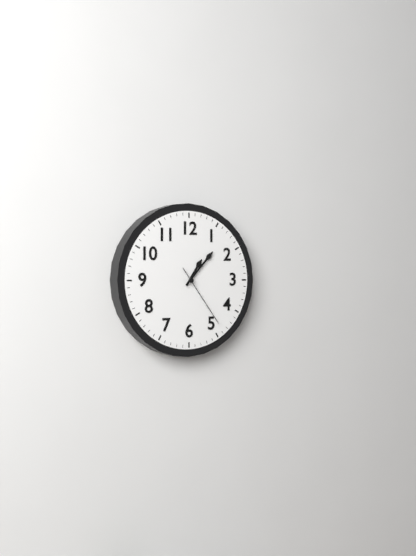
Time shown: {"hour": 1, "minute": 7, "second": 24}
